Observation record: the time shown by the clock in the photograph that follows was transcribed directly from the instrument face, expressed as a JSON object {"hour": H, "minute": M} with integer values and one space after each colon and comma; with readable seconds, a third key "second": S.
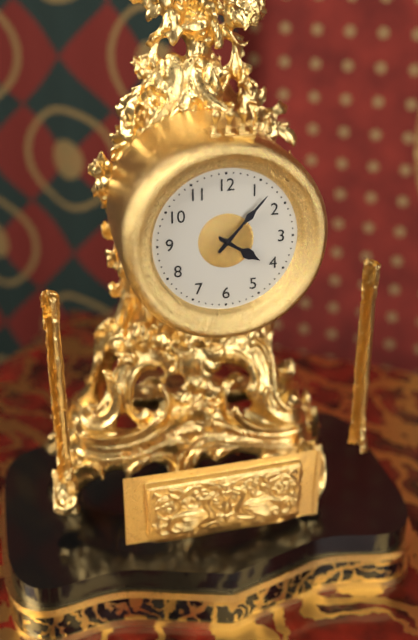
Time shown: {"hour": 4, "minute": 7}
